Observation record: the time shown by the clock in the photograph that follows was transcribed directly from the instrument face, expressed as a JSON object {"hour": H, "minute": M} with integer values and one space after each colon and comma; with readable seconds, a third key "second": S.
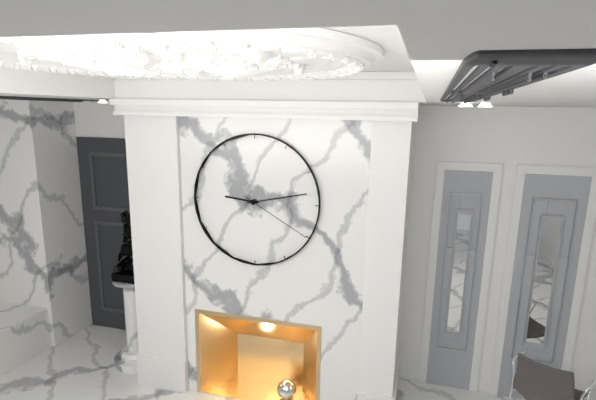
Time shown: {"hour": 9, "minute": 13, "second": 20}
